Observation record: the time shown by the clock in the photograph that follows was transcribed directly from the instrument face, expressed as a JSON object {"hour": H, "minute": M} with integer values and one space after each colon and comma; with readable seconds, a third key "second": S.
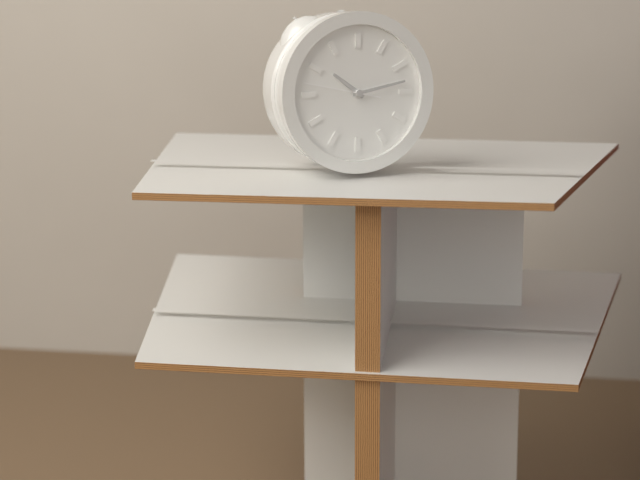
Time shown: {"hour": 10, "minute": 13, "second": 47}
